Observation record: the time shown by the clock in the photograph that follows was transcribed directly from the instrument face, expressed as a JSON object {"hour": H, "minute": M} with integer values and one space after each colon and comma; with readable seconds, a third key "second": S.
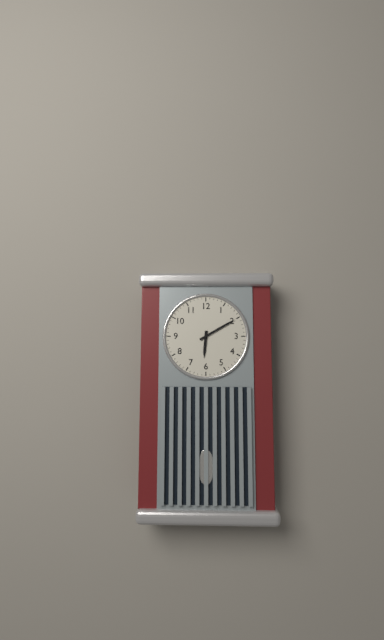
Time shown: {"hour": 6, "minute": 10}
